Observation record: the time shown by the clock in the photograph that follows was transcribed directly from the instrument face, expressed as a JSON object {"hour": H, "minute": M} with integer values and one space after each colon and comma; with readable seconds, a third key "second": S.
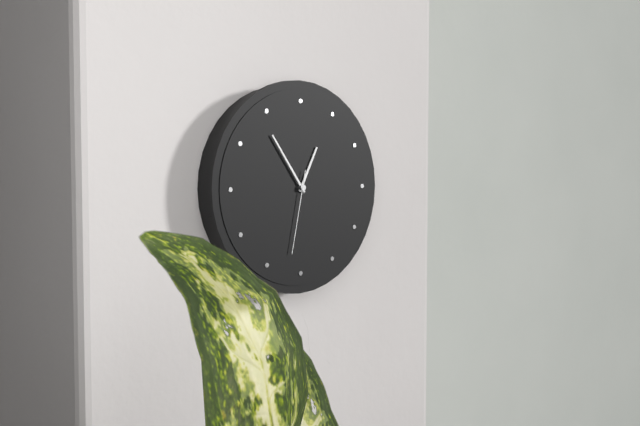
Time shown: {"hour": 12, "minute": 54, "second": 32}
